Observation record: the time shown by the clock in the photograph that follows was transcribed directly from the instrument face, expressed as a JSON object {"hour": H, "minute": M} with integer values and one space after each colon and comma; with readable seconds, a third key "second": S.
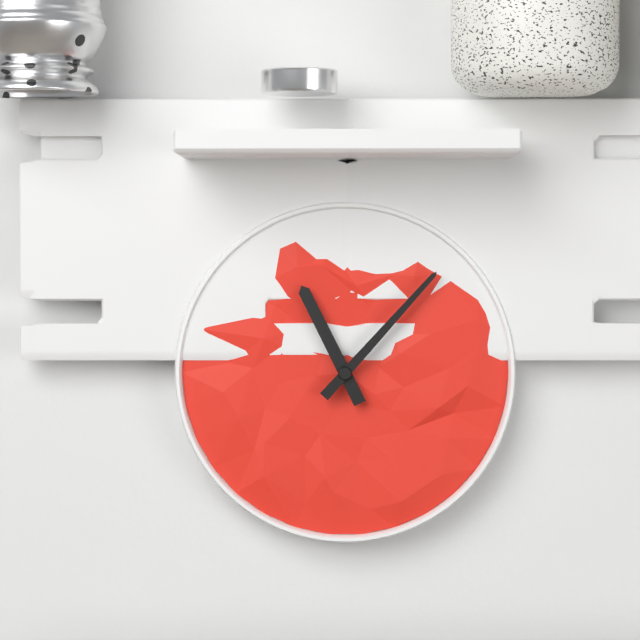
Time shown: {"hour": 11, "minute": 7}
